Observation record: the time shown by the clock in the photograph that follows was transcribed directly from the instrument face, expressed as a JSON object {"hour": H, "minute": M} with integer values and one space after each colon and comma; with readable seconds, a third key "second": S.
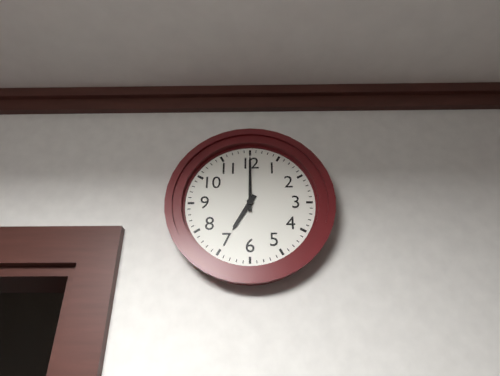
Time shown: {"hour": 7, "minute": 0}
